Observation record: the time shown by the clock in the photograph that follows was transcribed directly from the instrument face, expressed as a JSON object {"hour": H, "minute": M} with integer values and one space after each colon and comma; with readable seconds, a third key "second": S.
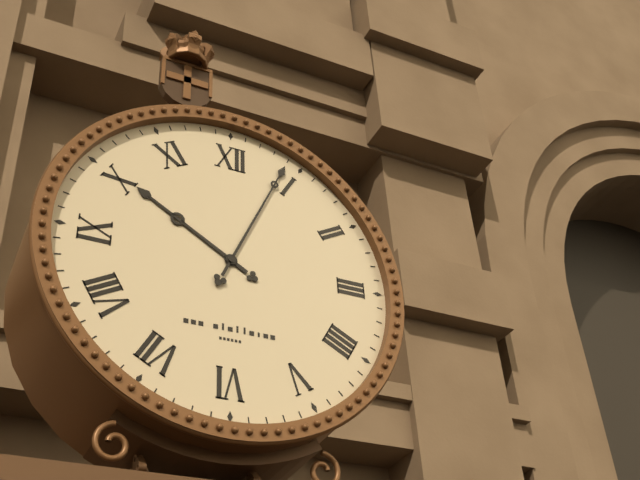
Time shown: {"hour": 10, "minute": 4}
